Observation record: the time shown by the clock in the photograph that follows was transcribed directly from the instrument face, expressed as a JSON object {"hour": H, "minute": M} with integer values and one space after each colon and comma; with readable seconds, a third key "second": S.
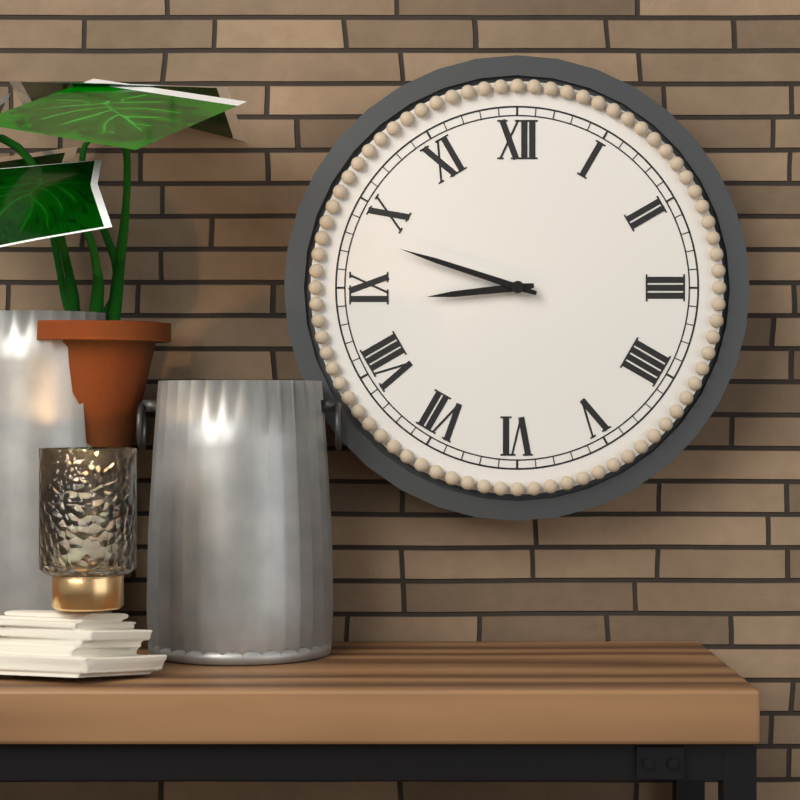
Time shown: {"hour": 8, "minute": 48}
